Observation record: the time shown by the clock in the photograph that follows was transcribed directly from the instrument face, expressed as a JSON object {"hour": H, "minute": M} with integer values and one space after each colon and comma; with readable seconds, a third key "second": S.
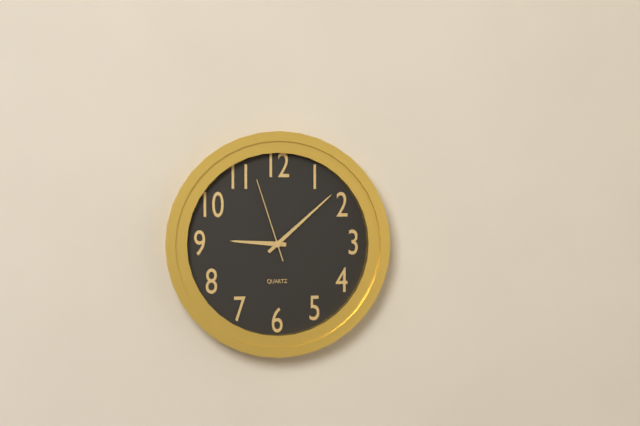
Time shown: {"hour": 9, "minute": 8, "second": 57}
